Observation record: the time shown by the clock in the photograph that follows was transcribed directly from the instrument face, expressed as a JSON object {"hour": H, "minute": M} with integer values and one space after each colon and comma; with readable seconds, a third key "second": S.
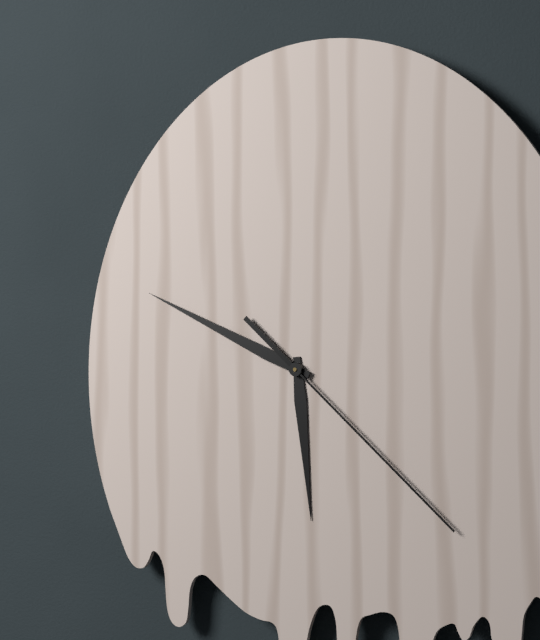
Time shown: {"hour": 5, "minute": 49, "second": 22}
